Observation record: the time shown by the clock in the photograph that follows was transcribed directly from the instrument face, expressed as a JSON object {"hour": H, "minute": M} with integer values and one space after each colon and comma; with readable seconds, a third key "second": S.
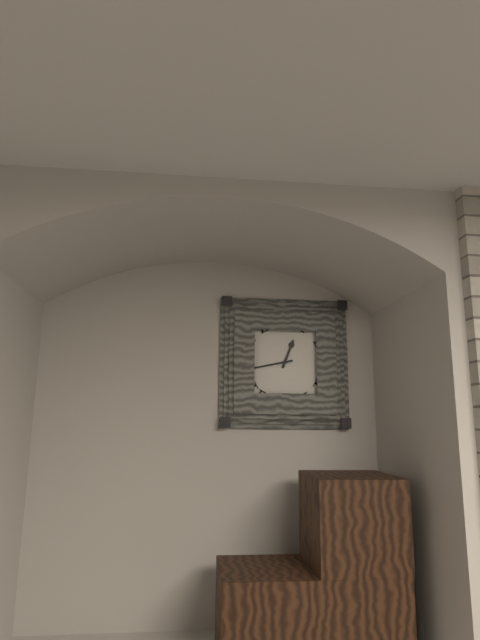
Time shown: {"hour": 12, "minute": 43}
